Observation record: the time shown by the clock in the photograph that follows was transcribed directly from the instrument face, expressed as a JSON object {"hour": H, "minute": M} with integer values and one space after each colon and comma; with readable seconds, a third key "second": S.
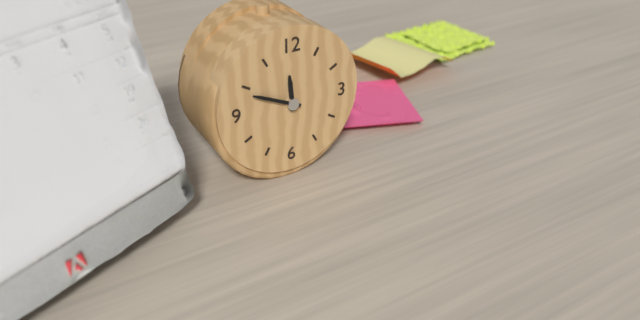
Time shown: {"hour": 11, "minute": 49}
